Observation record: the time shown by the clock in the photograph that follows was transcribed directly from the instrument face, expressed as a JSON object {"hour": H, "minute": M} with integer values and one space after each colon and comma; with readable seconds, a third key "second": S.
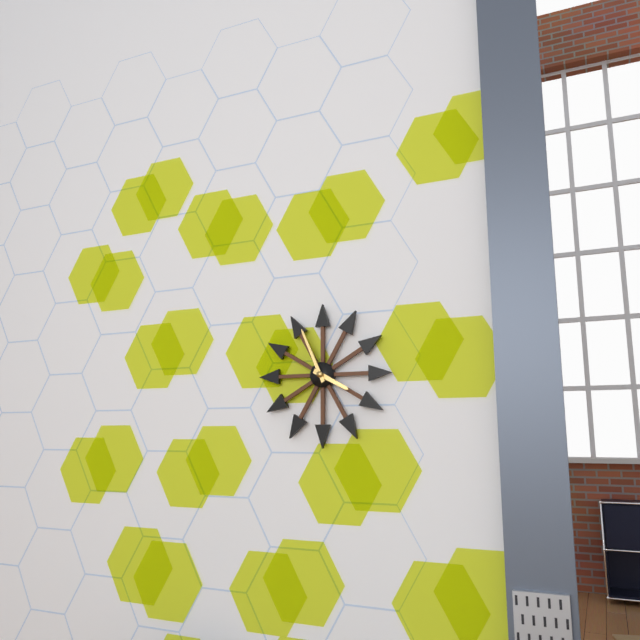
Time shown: {"hour": 3, "minute": 56}
